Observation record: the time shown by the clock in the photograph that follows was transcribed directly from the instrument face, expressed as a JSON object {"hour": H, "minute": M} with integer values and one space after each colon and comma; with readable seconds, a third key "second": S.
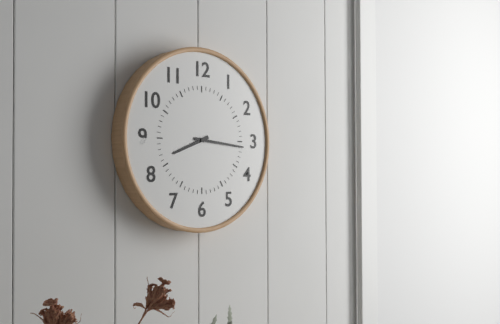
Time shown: {"hour": 8, "minute": 16}
